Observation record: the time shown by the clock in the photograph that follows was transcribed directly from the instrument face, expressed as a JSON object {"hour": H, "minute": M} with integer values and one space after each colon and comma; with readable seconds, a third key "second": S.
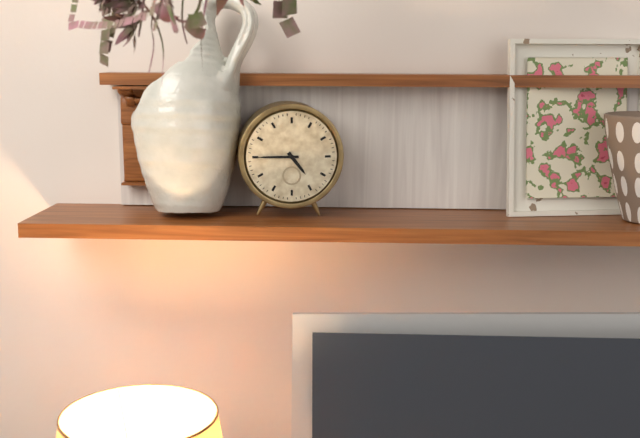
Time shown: {"hour": 4, "minute": 45}
